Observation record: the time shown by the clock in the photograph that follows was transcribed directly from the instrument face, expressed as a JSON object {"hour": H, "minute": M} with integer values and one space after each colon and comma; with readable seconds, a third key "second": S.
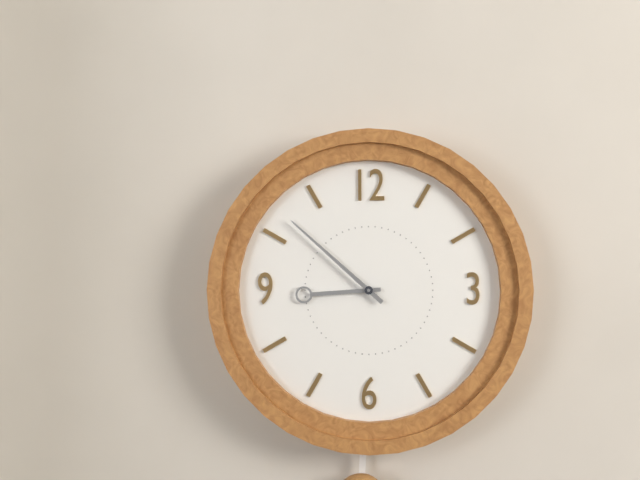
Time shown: {"hour": 8, "minute": 52}
